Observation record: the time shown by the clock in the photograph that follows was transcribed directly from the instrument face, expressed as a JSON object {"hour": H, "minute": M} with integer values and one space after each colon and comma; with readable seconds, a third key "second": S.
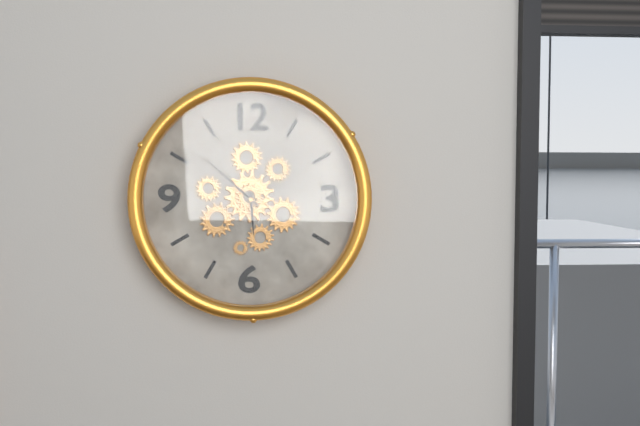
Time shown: {"hour": 5, "minute": 52}
